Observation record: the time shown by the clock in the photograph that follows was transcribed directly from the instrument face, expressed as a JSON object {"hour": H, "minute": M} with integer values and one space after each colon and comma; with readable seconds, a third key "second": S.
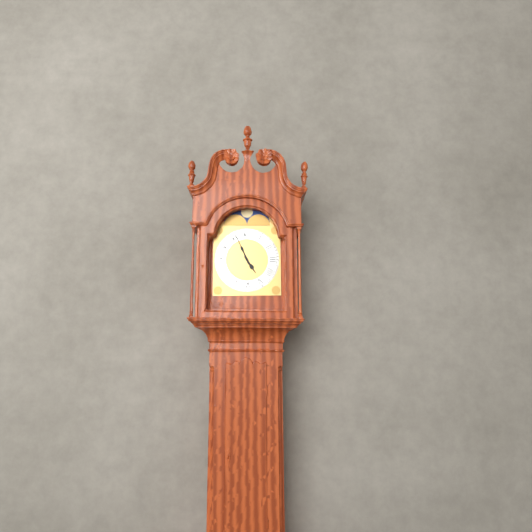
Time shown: {"hour": 4, "minute": 56}
